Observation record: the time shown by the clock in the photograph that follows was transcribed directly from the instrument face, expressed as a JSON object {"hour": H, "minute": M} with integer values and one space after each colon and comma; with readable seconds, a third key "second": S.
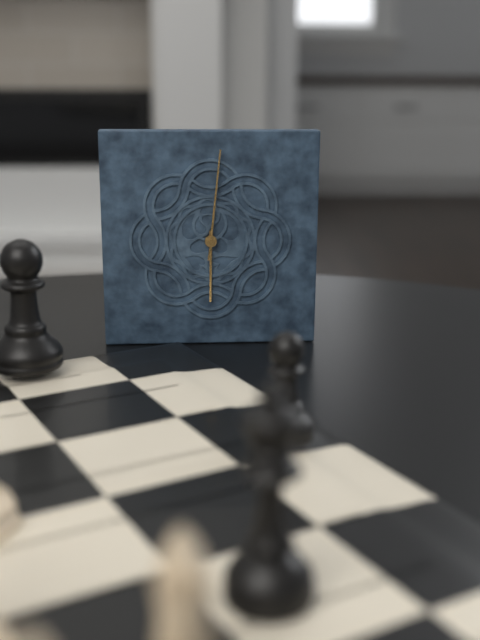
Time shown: {"hour": 6, "minute": 1}
